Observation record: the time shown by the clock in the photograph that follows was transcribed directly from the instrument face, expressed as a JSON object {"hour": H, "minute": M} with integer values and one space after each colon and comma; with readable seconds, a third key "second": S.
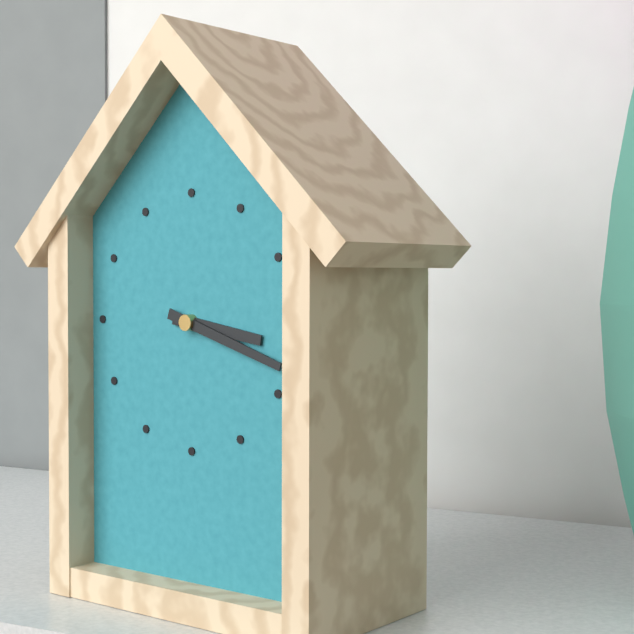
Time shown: {"hour": 3, "minute": 18}
